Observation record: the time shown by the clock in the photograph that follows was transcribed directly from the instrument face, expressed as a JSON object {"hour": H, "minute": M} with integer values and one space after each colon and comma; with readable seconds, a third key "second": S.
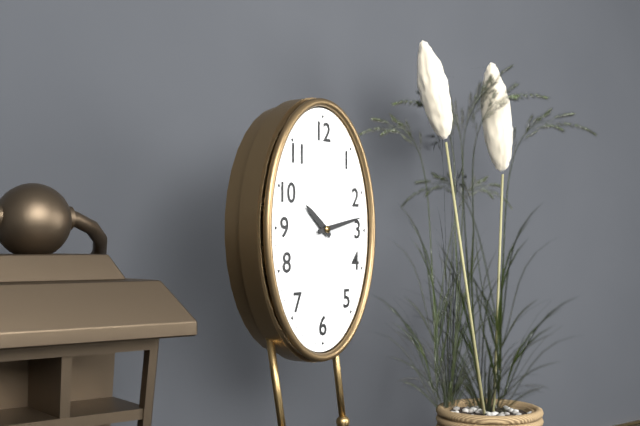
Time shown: {"hour": 10, "minute": 13}
